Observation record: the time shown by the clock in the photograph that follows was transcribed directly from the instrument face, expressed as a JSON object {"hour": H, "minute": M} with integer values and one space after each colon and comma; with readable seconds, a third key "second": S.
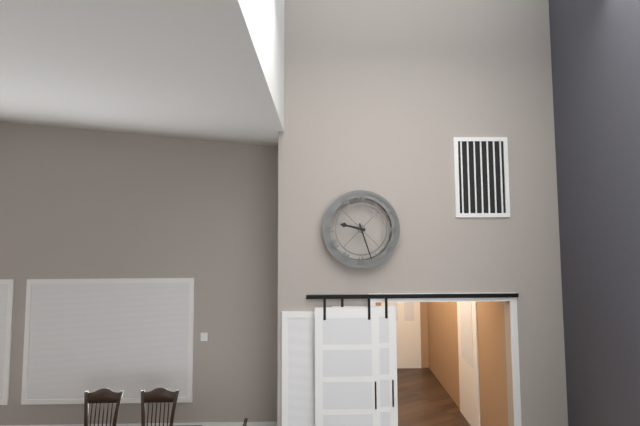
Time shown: {"hour": 9, "minute": 27}
